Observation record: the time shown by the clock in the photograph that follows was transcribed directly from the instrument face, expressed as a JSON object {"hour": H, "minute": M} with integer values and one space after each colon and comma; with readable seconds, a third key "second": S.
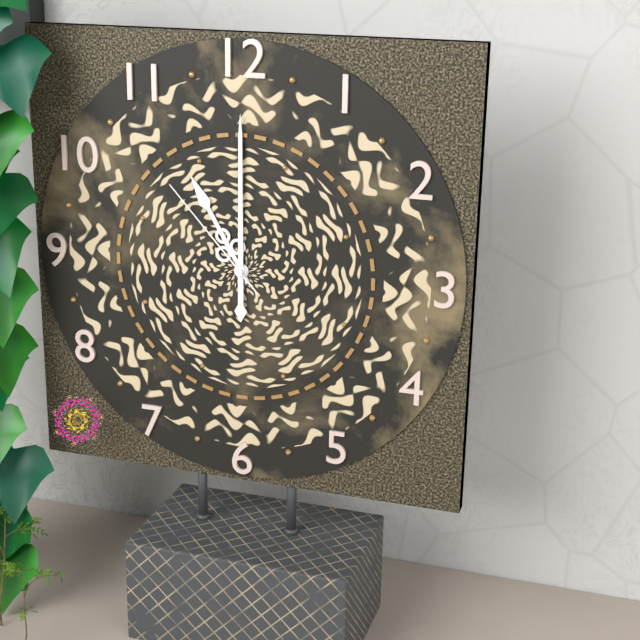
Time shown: {"hour": 11, "minute": 0, "second": 53}
